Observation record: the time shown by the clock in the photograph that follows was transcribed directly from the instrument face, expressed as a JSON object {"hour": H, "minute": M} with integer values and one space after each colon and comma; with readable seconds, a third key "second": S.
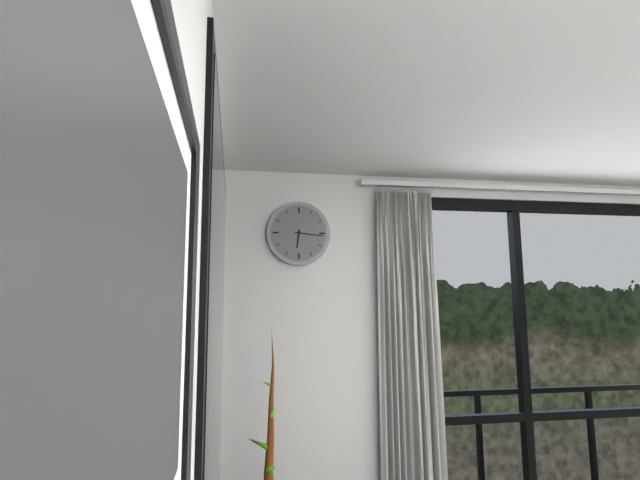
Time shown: {"hour": 6, "minute": 16}
